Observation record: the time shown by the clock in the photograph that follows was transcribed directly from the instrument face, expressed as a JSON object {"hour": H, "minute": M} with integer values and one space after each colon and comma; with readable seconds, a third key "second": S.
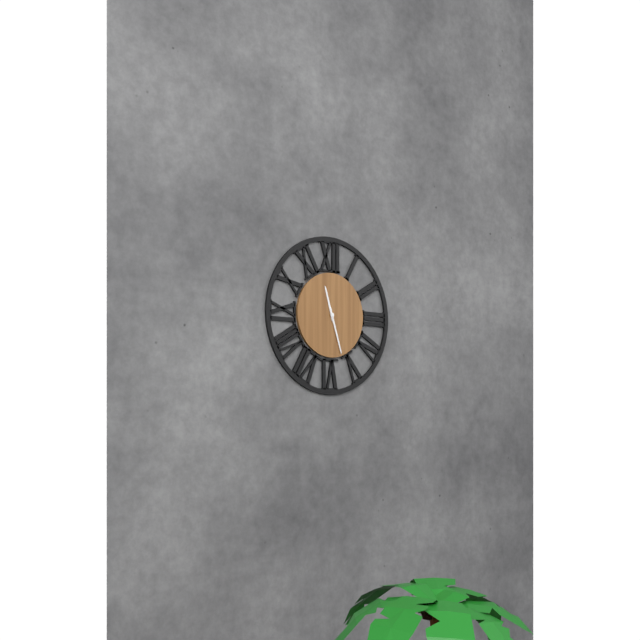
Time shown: {"hour": 11, "minute": 27}
